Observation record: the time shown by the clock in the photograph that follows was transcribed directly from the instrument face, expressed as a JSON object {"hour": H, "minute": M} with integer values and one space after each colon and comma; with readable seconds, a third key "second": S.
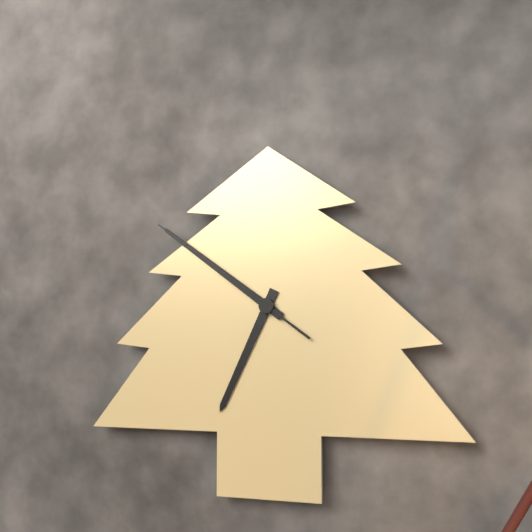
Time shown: {"hour": 6, "minute": 51, "second": 51}
